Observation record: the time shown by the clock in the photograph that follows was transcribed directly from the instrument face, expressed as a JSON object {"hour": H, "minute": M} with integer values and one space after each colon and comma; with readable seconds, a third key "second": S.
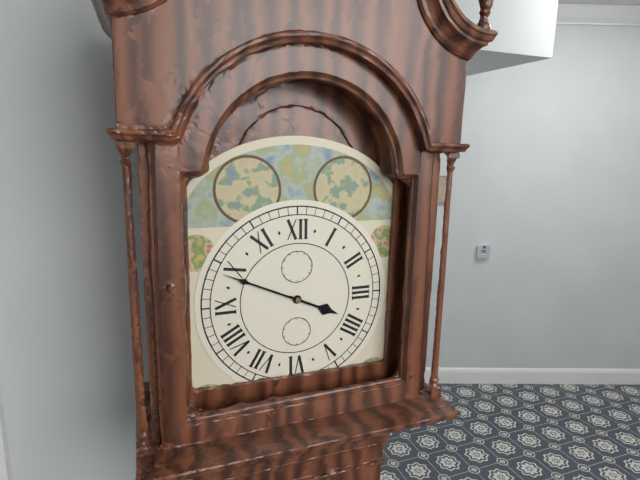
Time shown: {"hour": 3, "minute": 49}
